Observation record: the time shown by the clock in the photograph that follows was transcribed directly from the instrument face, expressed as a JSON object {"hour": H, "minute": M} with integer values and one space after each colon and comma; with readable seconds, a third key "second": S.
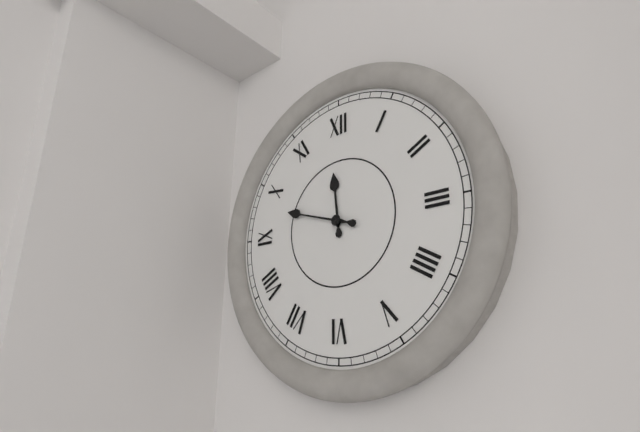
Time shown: {"hour": 11, "minute": 48}
